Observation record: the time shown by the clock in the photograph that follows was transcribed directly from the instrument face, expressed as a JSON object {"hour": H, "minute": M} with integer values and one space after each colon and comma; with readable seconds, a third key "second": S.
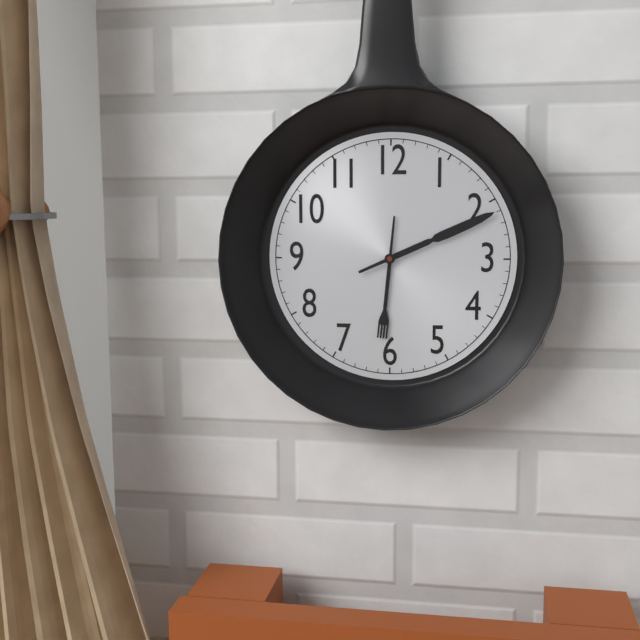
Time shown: {"hour": 6, "minute": 11}
